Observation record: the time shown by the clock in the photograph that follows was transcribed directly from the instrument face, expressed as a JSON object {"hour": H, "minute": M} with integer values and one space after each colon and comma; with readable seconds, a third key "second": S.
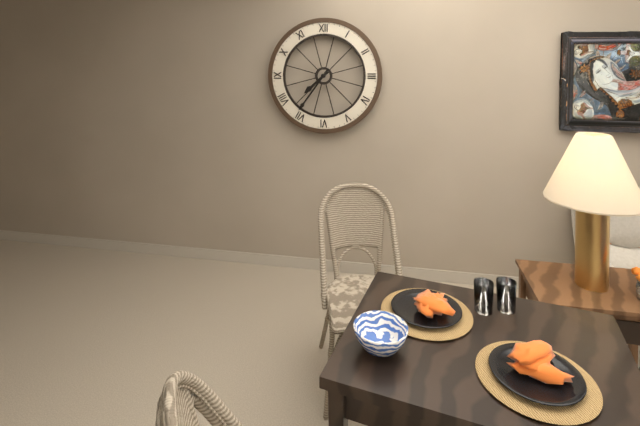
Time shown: {"hour": 7, "minute": 36}
